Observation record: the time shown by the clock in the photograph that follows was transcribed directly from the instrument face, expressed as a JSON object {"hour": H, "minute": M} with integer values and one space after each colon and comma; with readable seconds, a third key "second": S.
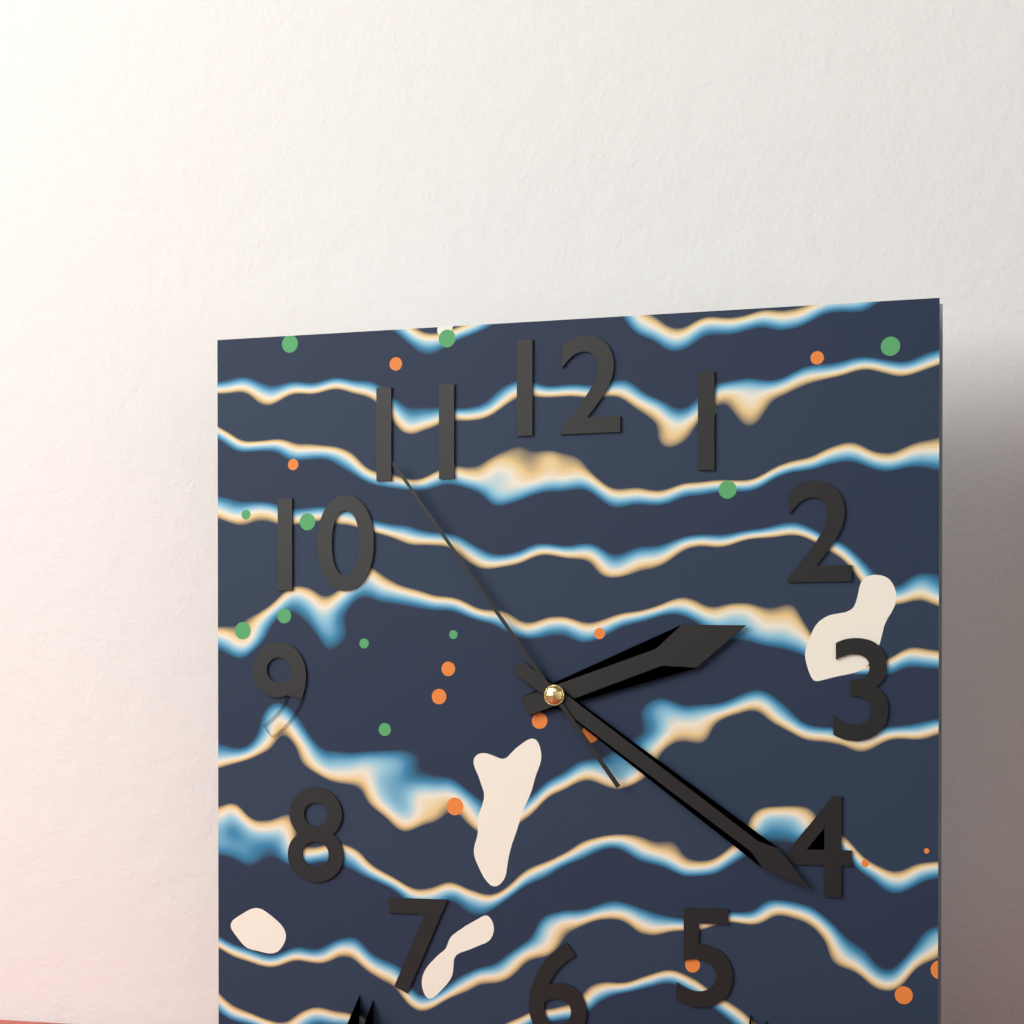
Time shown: {"hour": 2, "minute": 21, "second": 54}
